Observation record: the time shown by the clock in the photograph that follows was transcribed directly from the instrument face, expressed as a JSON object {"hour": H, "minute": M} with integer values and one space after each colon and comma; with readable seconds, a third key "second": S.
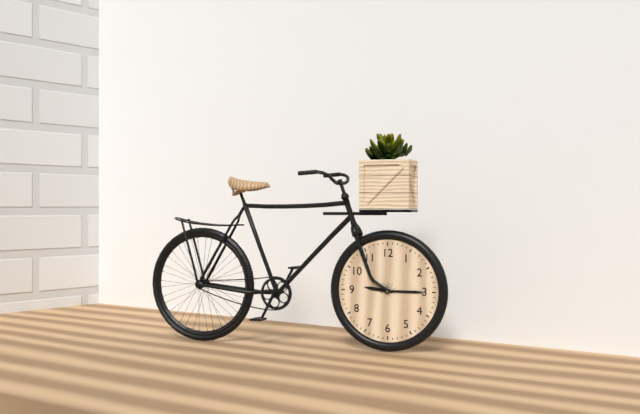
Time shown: {"hour": 9, "minute": 15}
